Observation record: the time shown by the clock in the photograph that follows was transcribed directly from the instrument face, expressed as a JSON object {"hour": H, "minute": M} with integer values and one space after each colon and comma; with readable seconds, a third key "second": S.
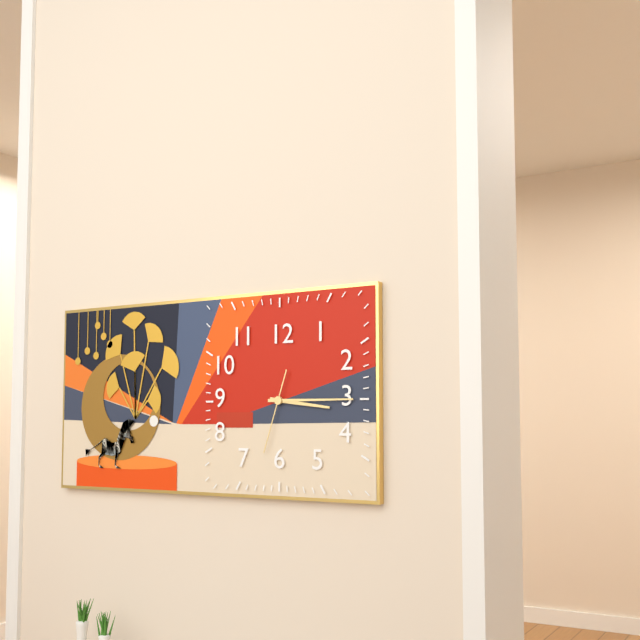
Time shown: {"hour": 3, "minute": 15, "second": 33}
